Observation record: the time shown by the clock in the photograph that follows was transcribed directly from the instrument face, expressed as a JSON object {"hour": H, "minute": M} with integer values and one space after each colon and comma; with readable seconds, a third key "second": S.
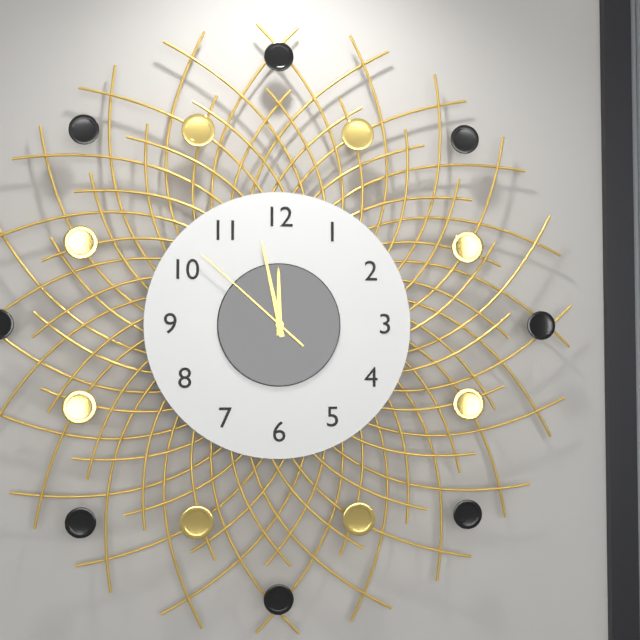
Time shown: {"hour": 11, "minute": 58, "second": 52}
